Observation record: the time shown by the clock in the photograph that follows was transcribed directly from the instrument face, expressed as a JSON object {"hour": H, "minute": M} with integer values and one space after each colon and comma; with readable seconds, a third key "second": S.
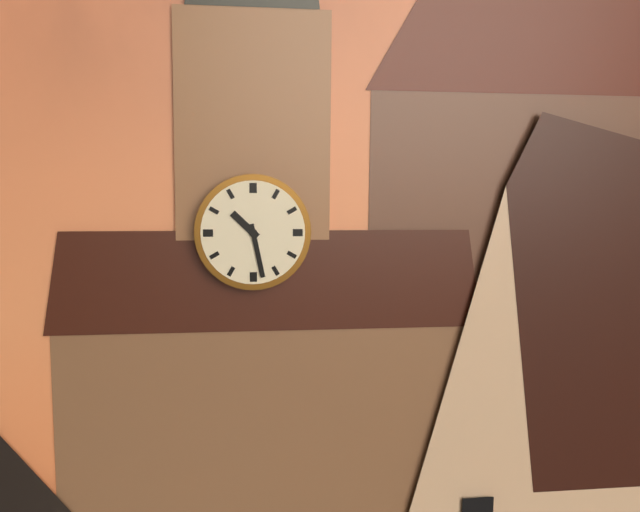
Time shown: {"hour": 10, "minute": 28}
